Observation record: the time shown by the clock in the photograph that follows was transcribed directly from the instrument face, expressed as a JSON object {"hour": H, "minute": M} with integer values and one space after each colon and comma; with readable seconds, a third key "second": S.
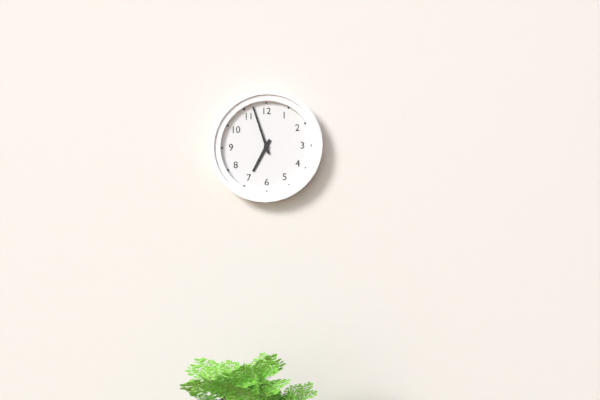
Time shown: {"hour": 6, "minute": 57}
